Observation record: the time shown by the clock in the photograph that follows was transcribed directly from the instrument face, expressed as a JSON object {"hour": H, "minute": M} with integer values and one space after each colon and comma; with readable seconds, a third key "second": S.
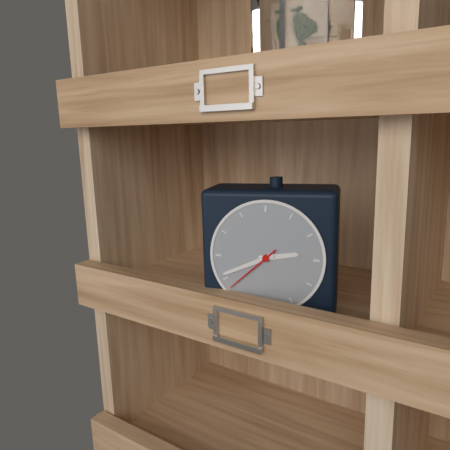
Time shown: {"hour": 2, "minute": 41, "second": 38}
